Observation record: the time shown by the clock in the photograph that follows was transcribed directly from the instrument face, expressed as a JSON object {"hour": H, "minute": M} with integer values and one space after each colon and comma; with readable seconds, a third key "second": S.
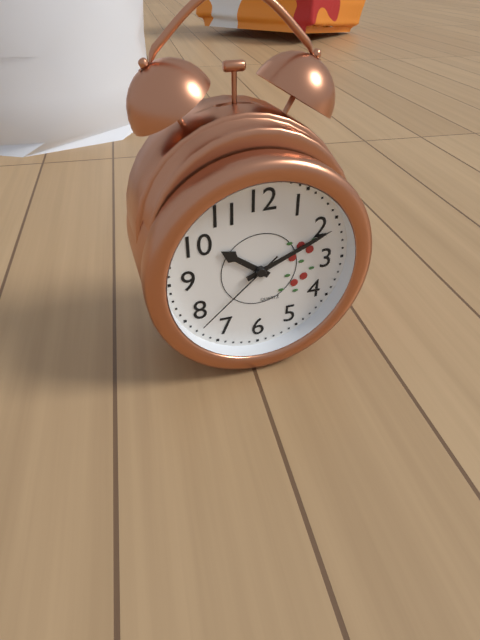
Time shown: {"hour": 10, "minute": 11, "second": 38}
